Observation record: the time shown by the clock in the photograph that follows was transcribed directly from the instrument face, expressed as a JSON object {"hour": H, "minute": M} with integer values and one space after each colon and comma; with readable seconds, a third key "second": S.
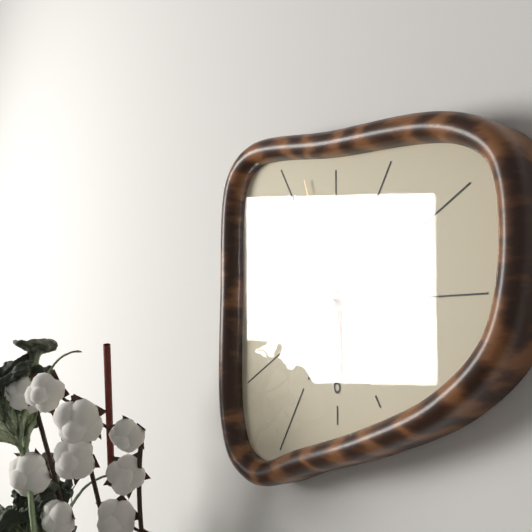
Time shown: {"hour": 5, "minute": 49, "second": 57}
